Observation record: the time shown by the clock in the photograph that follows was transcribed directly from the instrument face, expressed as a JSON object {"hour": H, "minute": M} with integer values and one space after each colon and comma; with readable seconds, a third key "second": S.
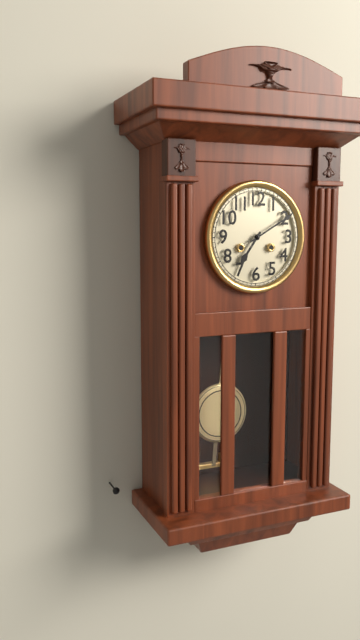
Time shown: {"hour": 7, "minute": 10}
